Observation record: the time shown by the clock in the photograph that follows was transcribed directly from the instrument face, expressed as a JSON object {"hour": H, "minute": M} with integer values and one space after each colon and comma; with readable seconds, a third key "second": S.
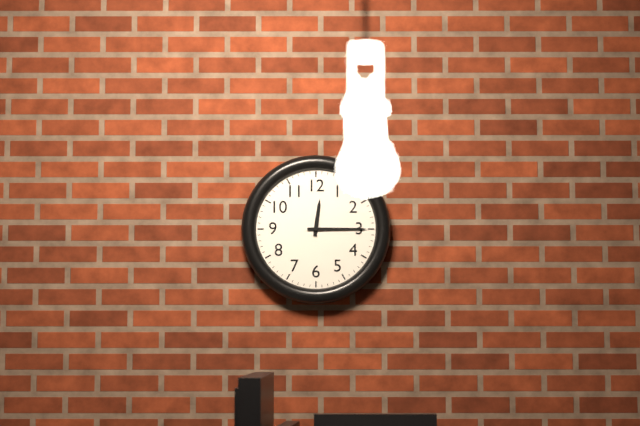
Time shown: {"hour": 12, "minute": 15}
